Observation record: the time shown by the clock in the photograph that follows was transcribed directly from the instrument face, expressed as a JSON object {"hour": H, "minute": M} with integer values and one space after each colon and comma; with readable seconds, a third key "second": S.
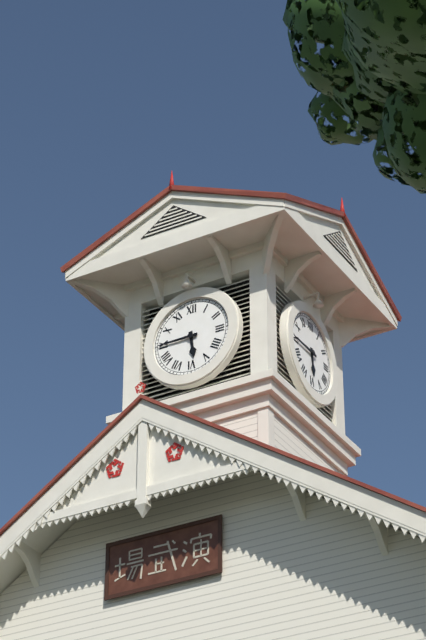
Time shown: {"hour": 5, "minute": 45}
